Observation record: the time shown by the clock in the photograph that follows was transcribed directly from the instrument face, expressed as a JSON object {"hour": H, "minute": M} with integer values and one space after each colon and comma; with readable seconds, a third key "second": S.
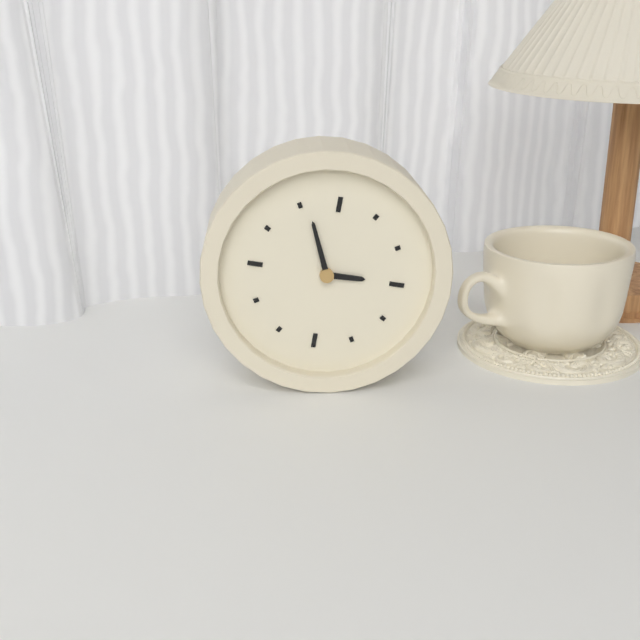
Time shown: {"hour": 2, "minute": 56}
